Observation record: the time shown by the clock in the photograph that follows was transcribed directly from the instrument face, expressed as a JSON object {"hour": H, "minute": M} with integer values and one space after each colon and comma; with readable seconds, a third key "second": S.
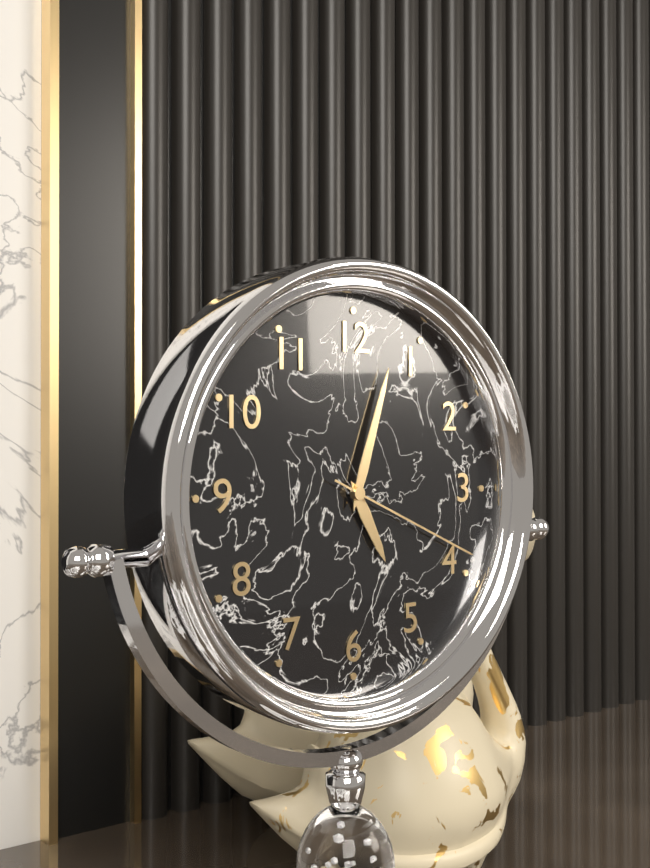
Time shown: {"hour": 5, "minute": 3, "second": 19}
